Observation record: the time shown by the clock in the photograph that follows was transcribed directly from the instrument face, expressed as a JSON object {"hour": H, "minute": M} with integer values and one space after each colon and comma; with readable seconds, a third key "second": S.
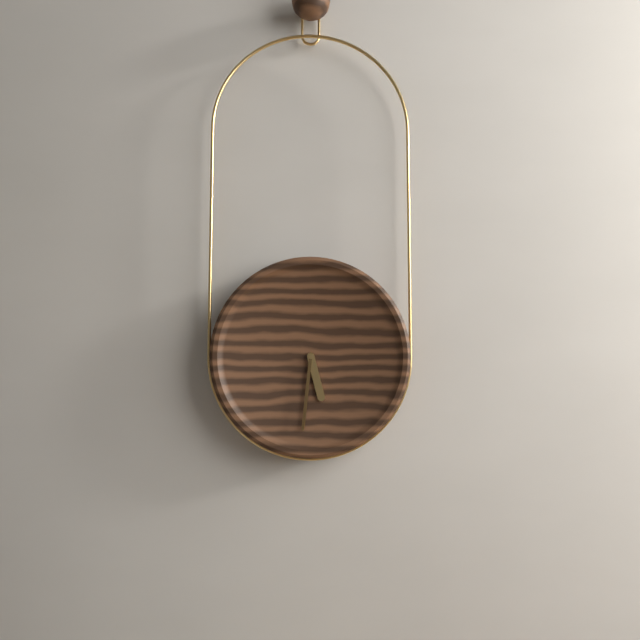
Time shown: {"hour": 5, "minute": 31}
